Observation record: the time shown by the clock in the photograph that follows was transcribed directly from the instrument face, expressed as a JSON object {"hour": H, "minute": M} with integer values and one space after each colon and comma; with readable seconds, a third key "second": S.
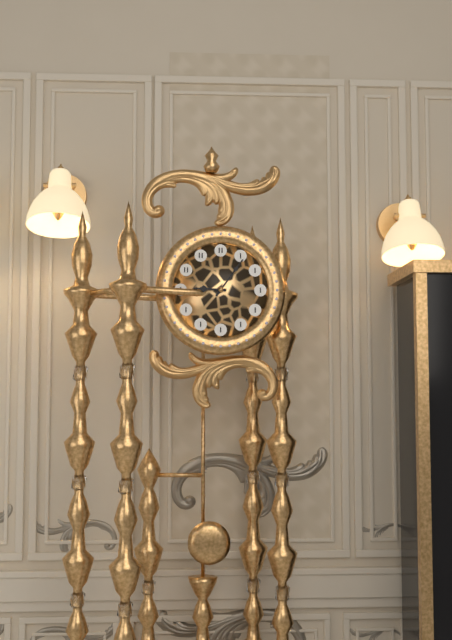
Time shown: {"hour": 9, "minute": 6}
